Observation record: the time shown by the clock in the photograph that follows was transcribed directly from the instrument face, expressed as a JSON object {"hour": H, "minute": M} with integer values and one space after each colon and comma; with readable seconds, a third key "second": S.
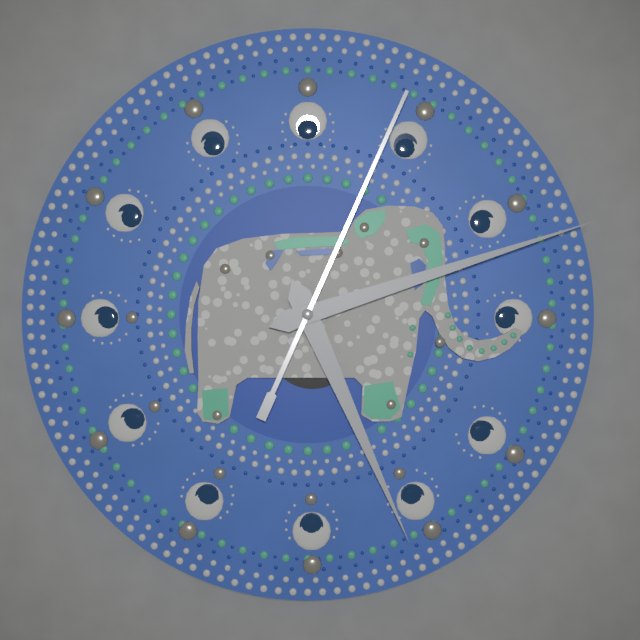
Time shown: {"hour": 5, "minute": 12, "second": 4}
